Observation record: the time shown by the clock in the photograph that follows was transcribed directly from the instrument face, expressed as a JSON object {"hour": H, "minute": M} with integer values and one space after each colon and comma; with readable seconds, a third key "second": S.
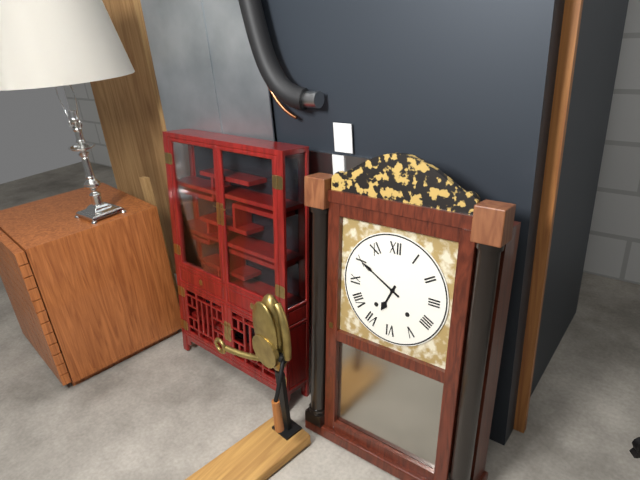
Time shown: {"hour": 6, "minute": 50}
